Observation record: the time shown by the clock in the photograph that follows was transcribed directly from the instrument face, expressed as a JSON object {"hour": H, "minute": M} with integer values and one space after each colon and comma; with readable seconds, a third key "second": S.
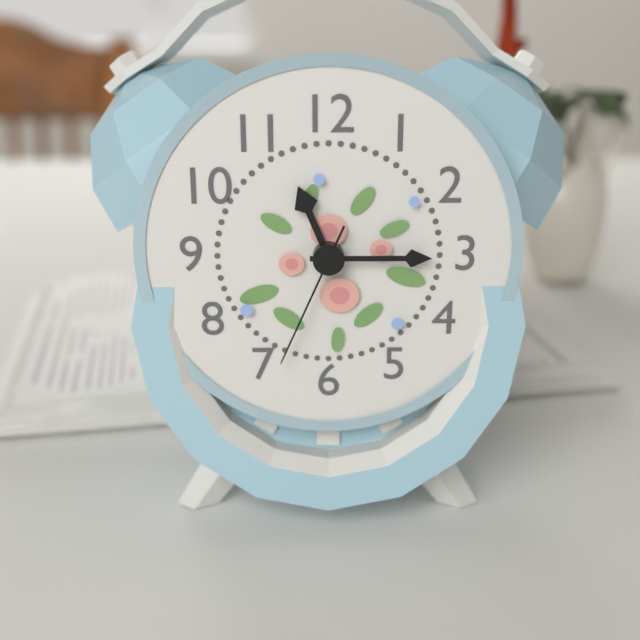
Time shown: {"hour": 11, "minute": 15, "second": 34}
